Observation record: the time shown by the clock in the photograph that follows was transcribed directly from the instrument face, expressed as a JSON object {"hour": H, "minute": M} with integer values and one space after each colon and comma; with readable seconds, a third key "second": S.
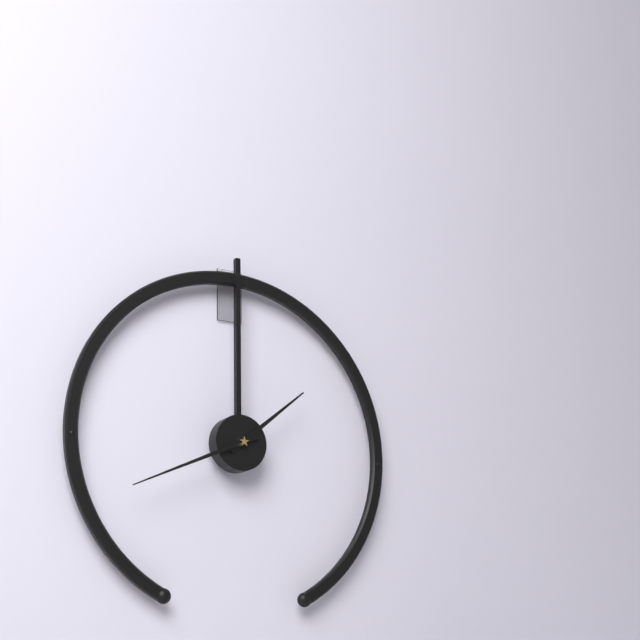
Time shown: {"hour": 1, "minute": 41}
